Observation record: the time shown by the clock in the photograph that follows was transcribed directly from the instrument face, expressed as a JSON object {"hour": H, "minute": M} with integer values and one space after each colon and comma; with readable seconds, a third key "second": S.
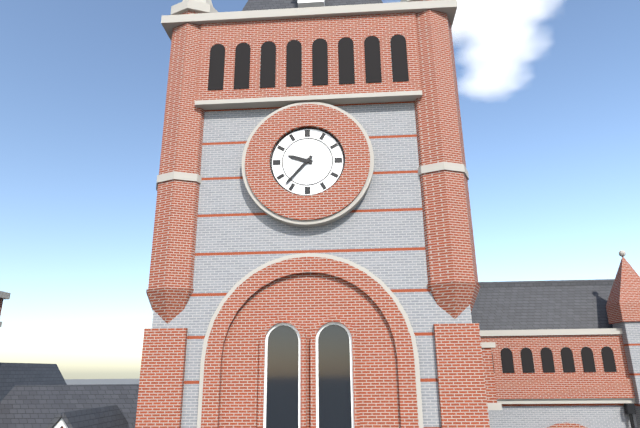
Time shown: {"hour": 9, "minute": 37}
